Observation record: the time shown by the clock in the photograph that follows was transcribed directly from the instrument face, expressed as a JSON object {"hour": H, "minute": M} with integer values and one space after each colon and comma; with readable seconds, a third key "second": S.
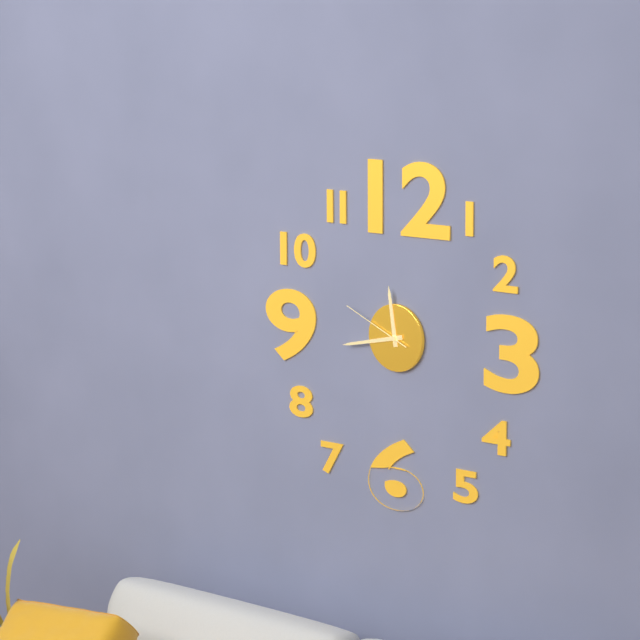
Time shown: {"hour": 11, "minute": 43, "second": 49}
